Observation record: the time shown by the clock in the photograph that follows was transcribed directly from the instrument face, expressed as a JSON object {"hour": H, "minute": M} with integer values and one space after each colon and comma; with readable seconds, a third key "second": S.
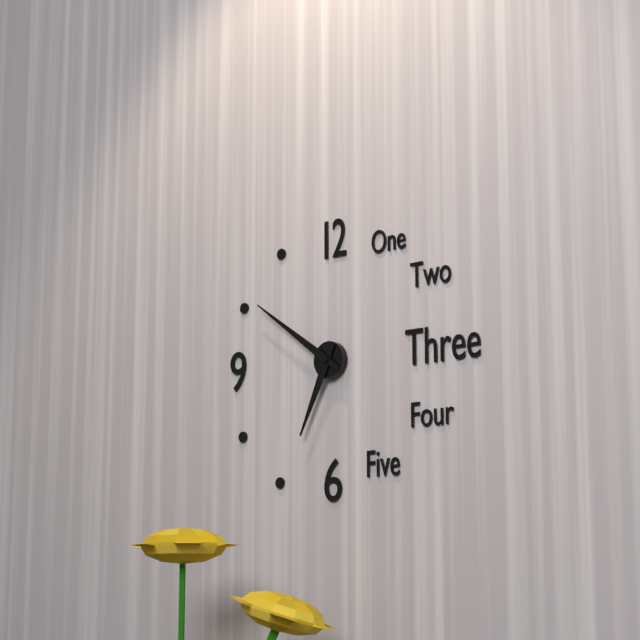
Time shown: {"hour": 6, "minute": 51}
